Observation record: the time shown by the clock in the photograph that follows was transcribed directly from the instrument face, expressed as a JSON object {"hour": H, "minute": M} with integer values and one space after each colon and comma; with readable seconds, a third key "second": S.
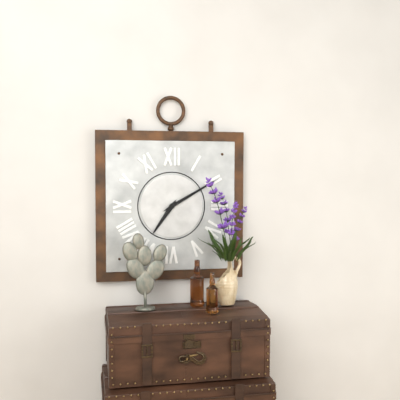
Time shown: {"hour": 7, "minute": 10}
